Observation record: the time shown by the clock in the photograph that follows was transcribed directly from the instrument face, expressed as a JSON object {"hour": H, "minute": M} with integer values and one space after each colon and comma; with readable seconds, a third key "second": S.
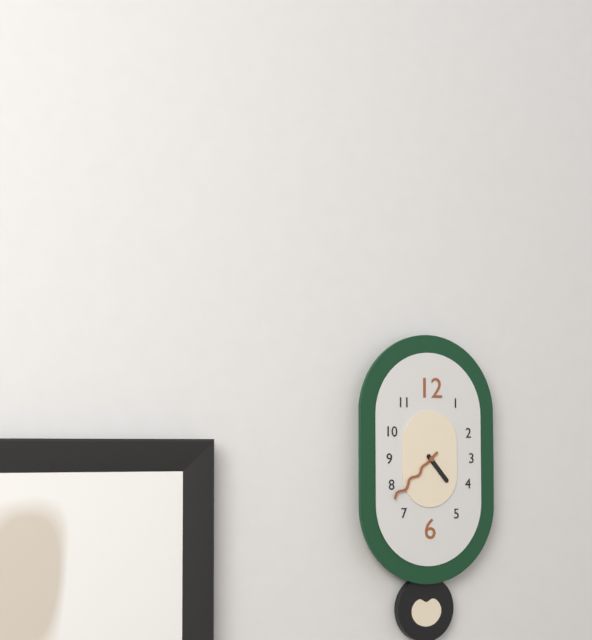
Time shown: {"hour": 4, "minute": 38}
